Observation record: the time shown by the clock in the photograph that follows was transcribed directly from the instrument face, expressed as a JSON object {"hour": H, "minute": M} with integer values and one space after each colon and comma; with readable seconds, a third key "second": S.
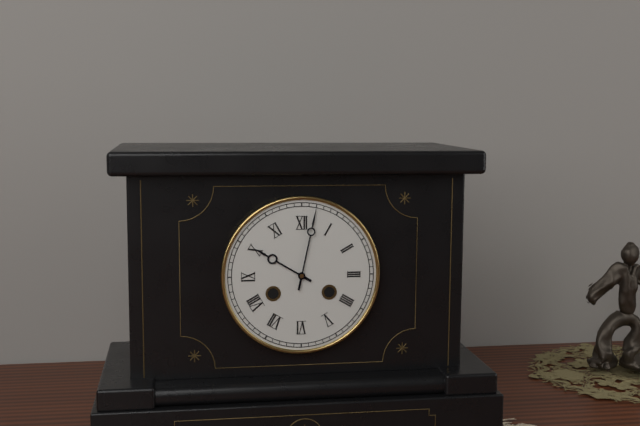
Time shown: {"hour": 10, "minute": 2}
